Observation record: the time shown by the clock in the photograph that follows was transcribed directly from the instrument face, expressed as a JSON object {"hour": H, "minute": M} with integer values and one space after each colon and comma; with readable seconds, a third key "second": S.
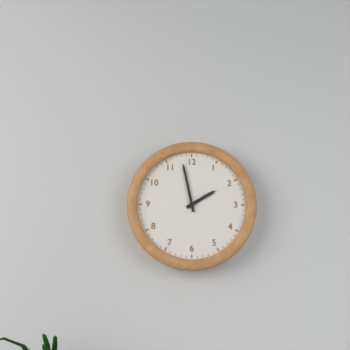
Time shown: {"hour": 1, "minute": 58}
